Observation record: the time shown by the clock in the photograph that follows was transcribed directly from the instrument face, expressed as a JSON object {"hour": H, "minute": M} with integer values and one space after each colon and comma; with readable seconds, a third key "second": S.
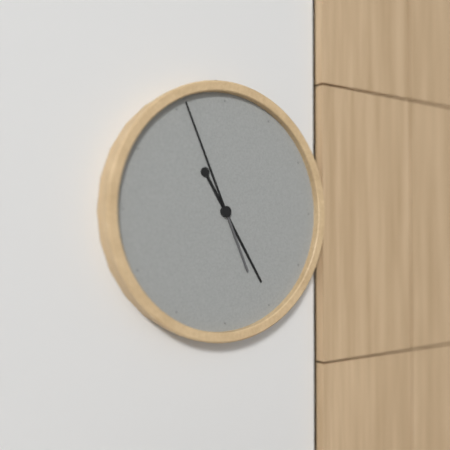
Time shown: {"hour": 4, "minute": 56}
